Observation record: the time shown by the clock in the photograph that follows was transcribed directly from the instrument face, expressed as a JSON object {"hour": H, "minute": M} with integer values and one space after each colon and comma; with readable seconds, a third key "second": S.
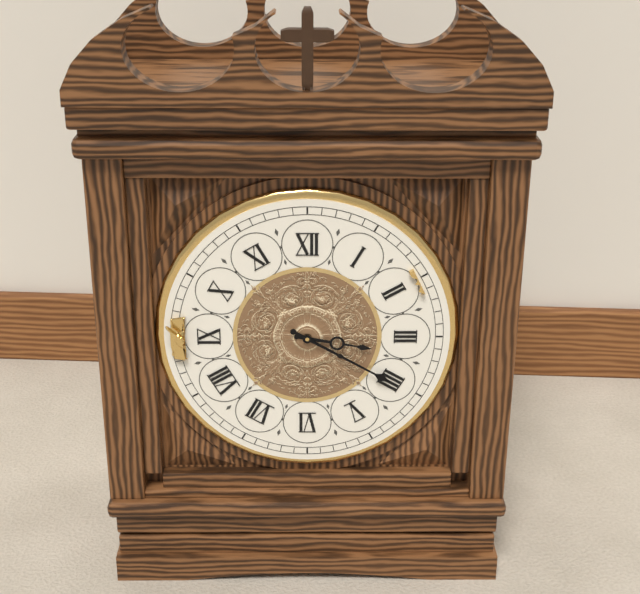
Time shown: {"hour": 3, "minute": 20}
